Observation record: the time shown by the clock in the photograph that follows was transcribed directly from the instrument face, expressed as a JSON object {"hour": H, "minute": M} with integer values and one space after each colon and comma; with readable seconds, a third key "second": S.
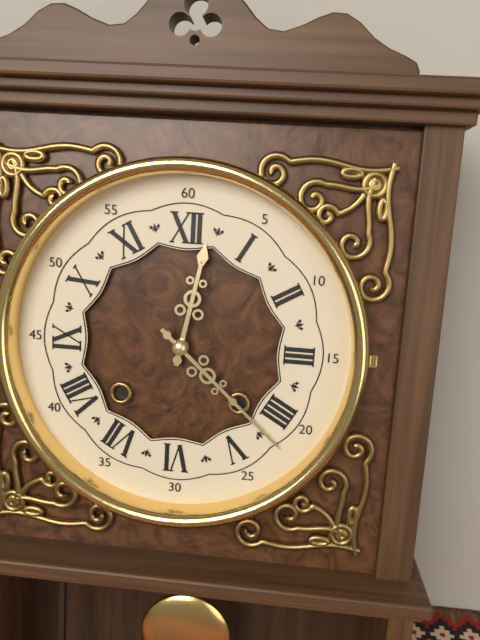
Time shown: {"hour": 12, "minute": 22}
